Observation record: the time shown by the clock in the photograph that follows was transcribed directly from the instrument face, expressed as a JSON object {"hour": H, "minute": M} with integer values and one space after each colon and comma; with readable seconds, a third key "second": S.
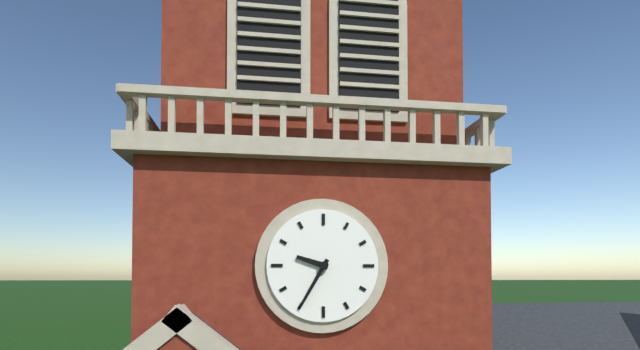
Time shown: {"hour": 9, "minute": 35}
